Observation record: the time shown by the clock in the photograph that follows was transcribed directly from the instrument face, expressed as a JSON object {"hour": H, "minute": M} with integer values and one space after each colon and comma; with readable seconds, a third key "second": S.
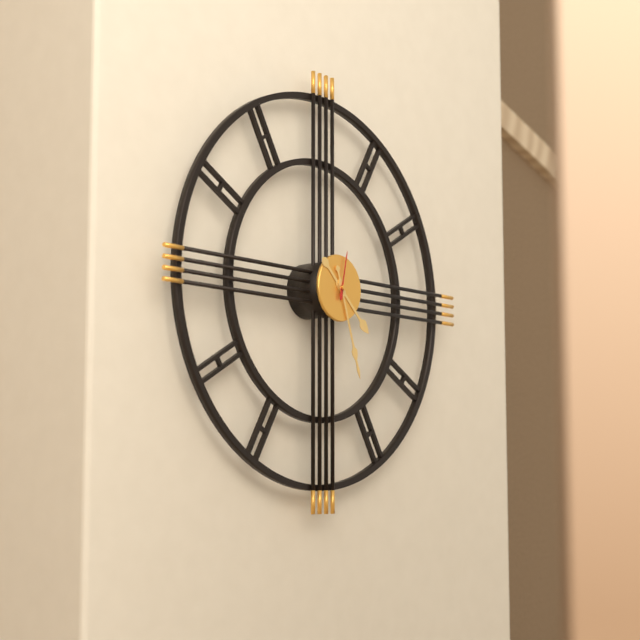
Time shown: {"hour": 4, "minute": 27}
